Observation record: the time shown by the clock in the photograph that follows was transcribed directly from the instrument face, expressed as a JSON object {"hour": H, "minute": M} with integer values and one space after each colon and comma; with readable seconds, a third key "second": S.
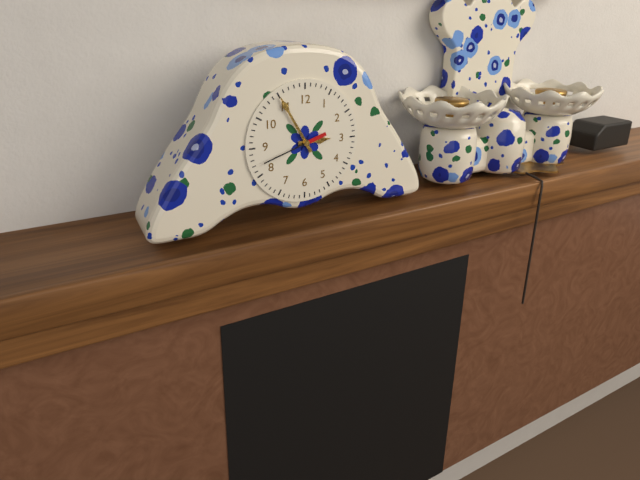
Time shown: {"hour": 2, "minute": 55}
